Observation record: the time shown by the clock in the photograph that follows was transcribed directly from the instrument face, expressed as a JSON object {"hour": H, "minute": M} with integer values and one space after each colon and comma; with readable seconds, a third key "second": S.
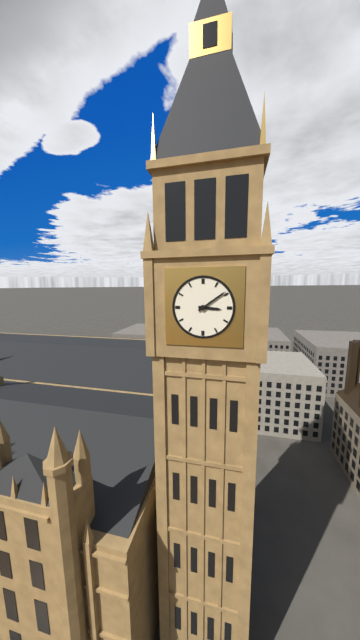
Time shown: {"hour": 3, "minute": 9}
